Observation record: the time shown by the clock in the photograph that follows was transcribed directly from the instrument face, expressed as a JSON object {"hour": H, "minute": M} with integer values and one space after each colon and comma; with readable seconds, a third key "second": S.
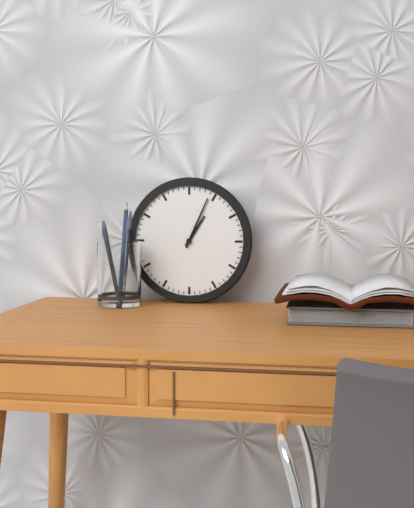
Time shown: {"hour": 1, "minute": 4}
